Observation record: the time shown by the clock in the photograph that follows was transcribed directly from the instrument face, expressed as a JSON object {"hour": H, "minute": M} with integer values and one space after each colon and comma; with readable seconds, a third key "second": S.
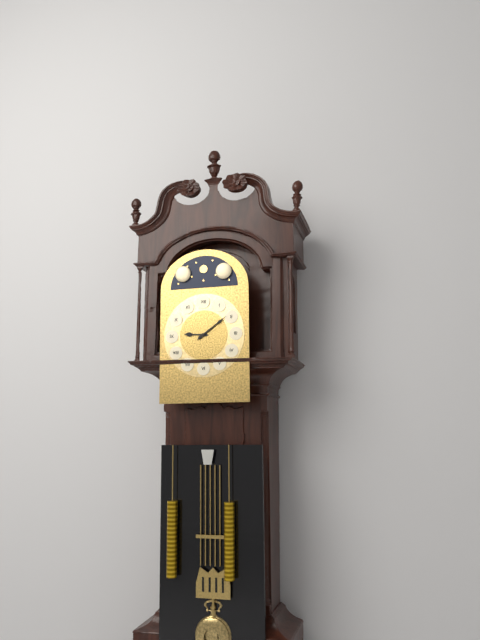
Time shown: {"hour": 9, "minute": 9}
